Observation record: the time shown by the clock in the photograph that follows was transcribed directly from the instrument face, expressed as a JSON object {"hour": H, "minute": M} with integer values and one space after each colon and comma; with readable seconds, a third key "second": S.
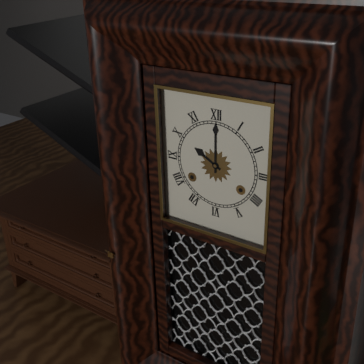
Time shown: {"hour": 10, "minute": 0}
